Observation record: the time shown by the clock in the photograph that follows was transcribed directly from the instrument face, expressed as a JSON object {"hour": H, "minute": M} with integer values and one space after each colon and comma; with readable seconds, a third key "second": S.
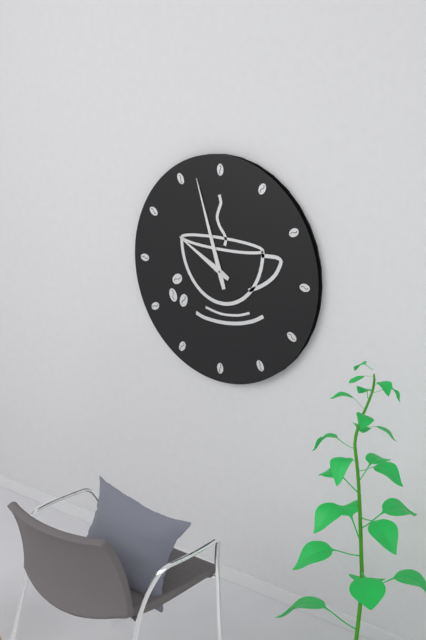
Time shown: {"hour": 9, "minute": 57}
